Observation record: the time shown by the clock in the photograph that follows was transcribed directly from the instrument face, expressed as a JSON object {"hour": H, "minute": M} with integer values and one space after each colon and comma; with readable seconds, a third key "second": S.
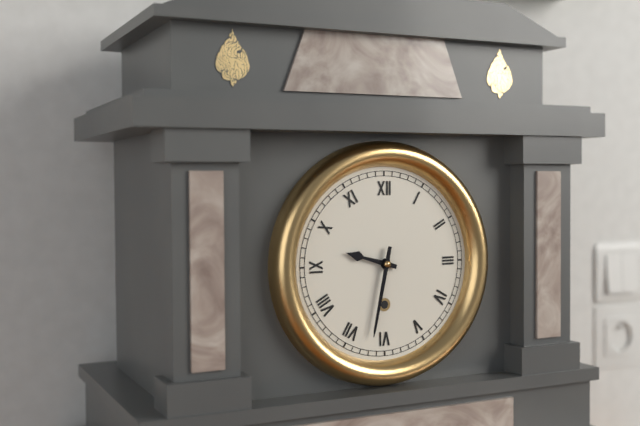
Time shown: {"hour": 9, "minute": 32}
